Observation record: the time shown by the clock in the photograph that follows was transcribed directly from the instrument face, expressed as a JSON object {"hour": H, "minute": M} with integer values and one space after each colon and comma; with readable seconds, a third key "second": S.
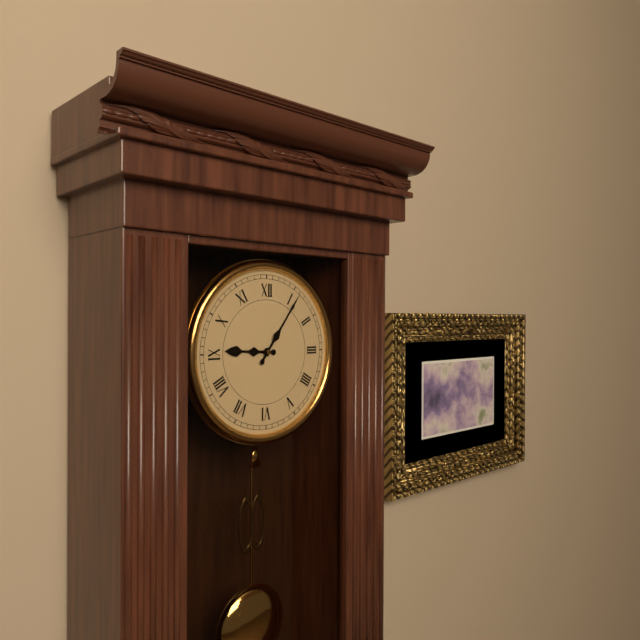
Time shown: {"hour": 9, "minute": 6}
